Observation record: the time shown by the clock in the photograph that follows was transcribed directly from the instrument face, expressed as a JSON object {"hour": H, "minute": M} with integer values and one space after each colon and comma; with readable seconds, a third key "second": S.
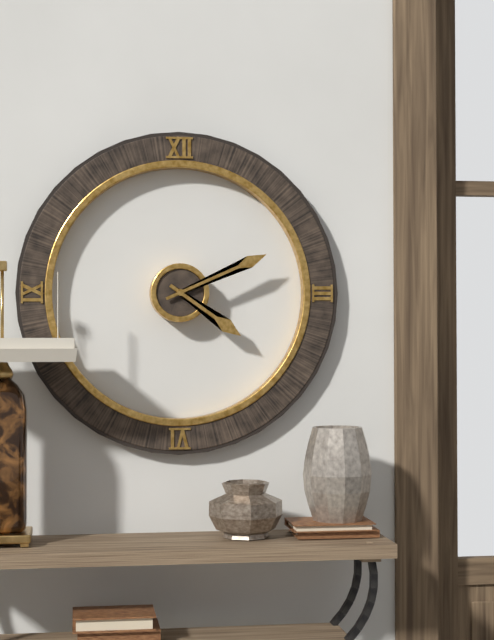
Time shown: {"hour": 4, "minute": 11}
